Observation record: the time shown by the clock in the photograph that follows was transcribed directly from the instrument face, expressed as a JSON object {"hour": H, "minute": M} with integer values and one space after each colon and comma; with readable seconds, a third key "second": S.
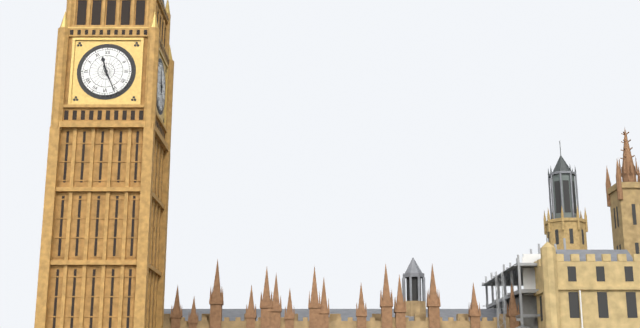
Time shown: {"hour": 11, "minute": 26}
